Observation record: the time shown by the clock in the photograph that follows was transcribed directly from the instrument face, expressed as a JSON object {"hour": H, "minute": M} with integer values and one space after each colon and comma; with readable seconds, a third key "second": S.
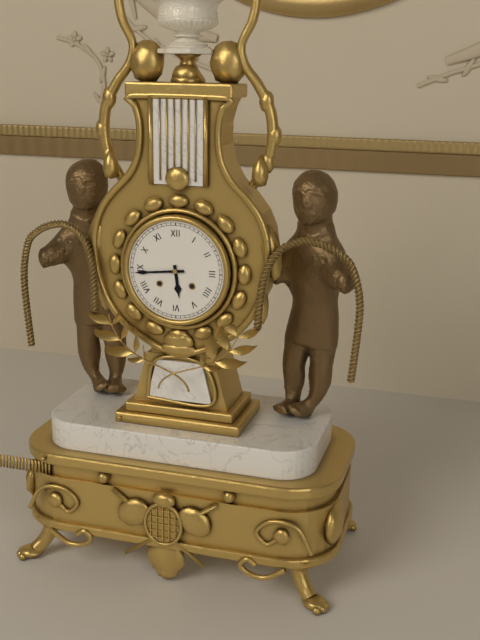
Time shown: {"hour": 5, "minute": 44}
